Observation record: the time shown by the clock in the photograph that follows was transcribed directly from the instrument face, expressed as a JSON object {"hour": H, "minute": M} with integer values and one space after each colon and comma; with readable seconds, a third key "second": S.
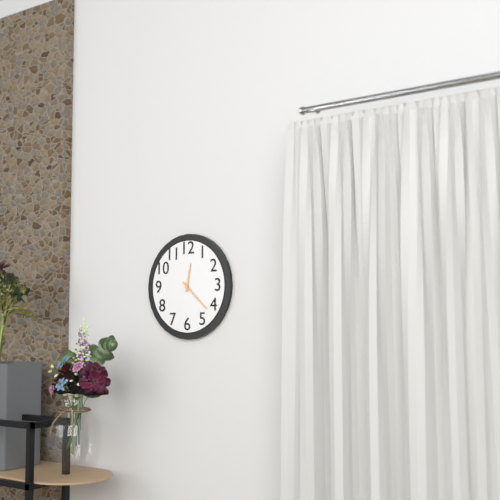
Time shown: {"hour": 12, "minute": 22}
